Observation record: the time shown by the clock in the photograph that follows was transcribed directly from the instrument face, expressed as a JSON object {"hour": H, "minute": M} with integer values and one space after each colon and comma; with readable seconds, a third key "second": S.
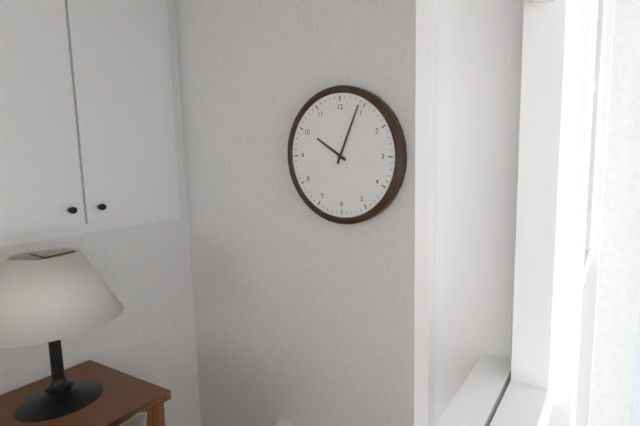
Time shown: {"hour": 10, "minute": 4}
